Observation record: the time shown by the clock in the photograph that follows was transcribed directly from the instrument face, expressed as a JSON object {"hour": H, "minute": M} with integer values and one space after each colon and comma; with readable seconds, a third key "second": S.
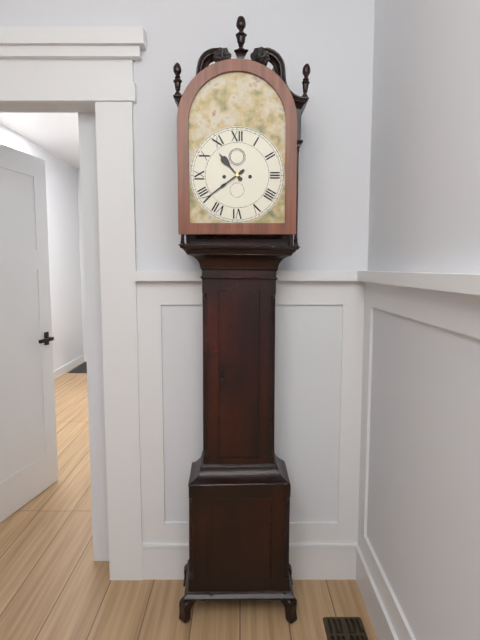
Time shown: {"hour": 10, "minute": 39}
